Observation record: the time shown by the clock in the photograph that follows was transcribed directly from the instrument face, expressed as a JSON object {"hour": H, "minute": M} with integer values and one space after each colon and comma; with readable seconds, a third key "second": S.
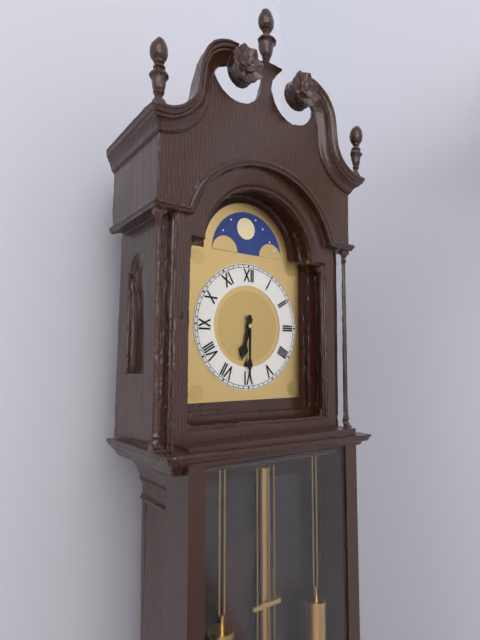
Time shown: {"hour": 6, "minute": 30}
